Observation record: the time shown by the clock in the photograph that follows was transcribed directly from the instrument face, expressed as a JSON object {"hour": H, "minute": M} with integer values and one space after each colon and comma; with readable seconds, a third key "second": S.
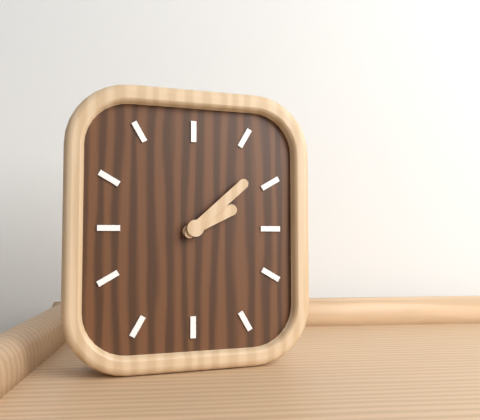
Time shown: {"hour": 2, "minute": 8}
